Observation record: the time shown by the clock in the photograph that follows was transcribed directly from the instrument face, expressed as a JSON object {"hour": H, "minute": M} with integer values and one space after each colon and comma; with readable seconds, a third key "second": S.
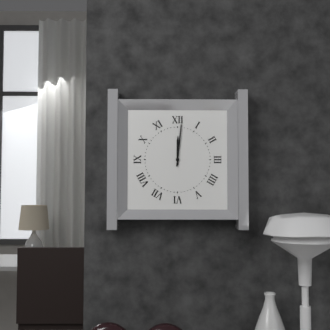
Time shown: {"hour": 12, "minute": 1}
